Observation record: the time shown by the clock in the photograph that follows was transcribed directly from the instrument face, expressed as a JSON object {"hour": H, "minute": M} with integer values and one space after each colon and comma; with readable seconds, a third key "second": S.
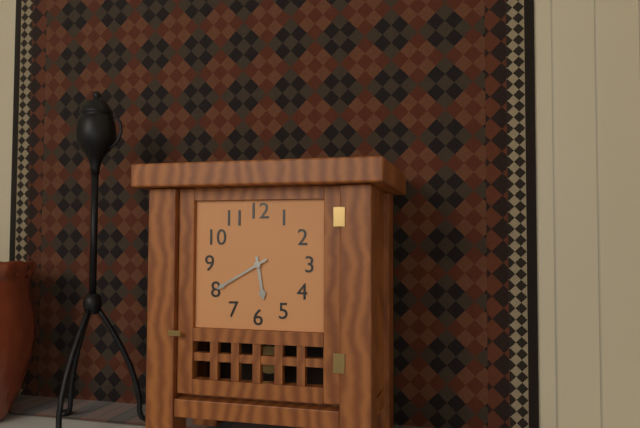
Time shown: {"hour": 5, "minute": 40}
